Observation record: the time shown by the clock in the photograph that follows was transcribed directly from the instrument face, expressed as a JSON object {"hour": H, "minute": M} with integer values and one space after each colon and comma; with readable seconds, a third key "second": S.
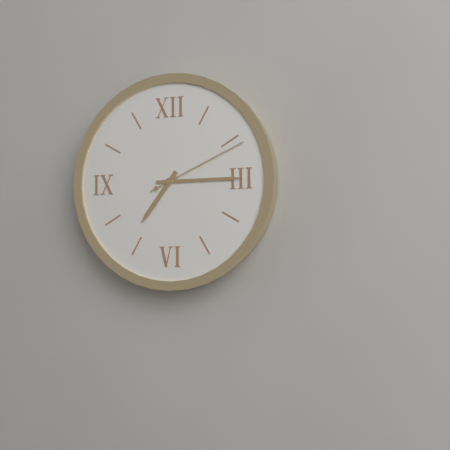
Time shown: {"hour": 7, "minute": 15, "second": 11}
